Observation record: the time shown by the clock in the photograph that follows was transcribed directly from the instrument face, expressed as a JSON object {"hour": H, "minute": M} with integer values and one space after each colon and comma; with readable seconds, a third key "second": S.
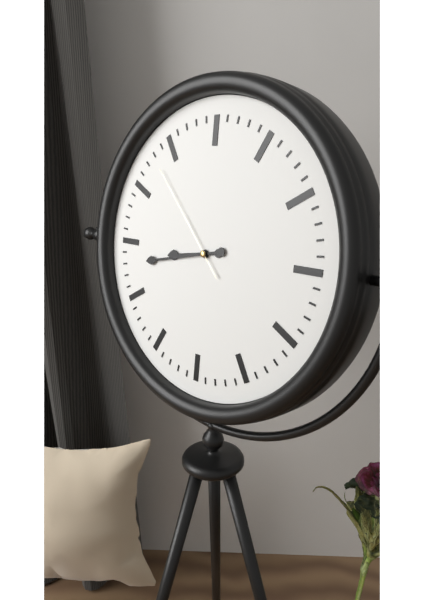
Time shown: {"hour": 8, "minute": 43, "second": 53}
